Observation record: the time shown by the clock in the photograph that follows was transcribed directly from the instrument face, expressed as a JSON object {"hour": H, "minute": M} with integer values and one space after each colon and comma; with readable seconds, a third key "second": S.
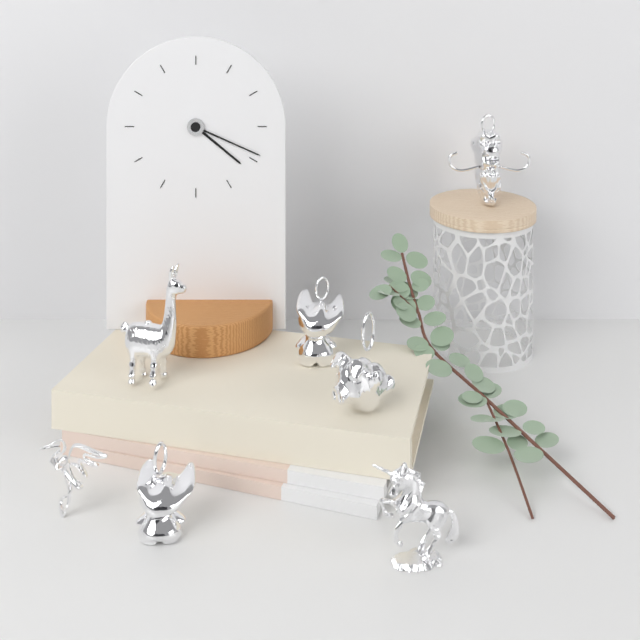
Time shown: {"hour": 4, "minute": 19}
